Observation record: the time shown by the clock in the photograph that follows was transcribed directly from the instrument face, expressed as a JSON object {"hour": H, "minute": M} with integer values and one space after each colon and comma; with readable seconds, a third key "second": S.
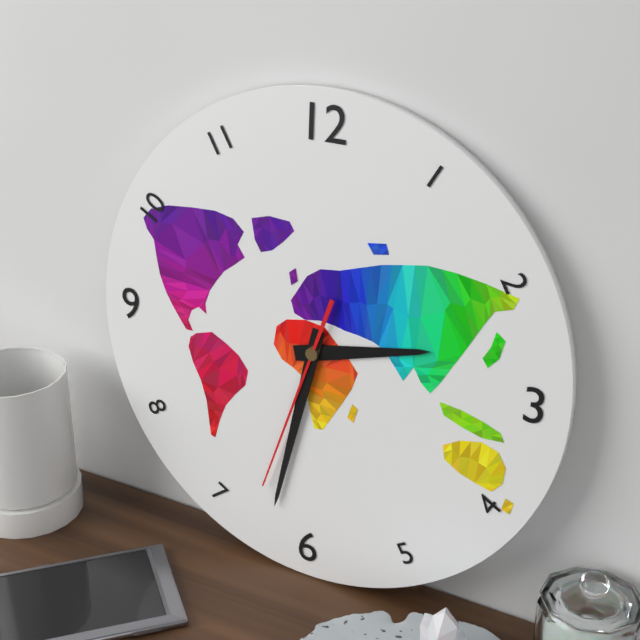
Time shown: {"hour": 2, "minute": 32, "second": 33}
